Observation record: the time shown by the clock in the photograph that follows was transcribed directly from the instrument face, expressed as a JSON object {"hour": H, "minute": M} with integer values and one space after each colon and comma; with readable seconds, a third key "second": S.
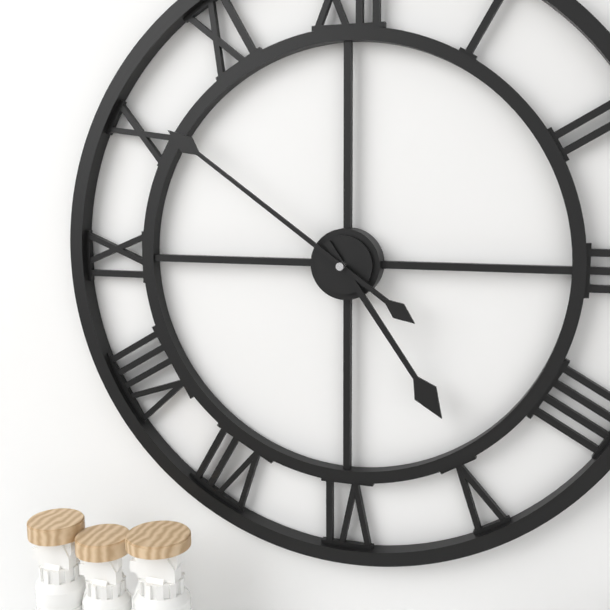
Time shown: {"hour": 4, "minute": 51}
